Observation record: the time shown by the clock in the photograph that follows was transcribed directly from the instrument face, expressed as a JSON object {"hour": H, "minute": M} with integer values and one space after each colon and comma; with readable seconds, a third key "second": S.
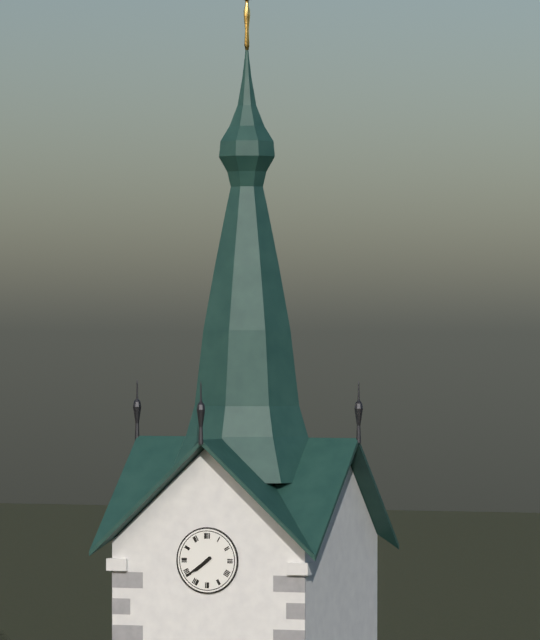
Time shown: {"hour": 7, "minute": 39}
